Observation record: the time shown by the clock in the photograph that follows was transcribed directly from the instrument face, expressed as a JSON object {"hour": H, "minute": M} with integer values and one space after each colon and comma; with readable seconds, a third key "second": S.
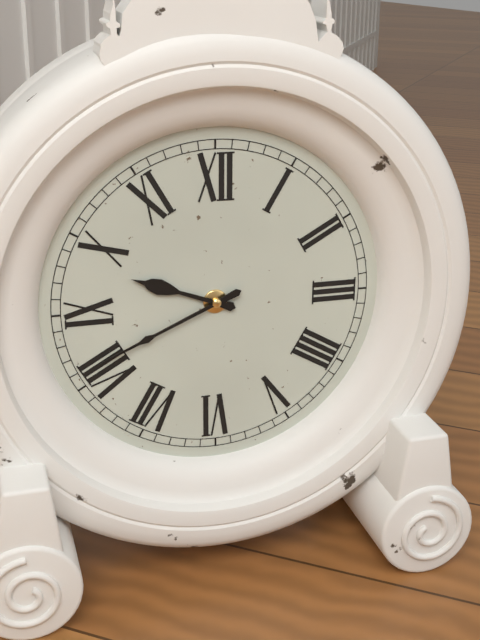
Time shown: {"hour": 9, "minute": 41}
